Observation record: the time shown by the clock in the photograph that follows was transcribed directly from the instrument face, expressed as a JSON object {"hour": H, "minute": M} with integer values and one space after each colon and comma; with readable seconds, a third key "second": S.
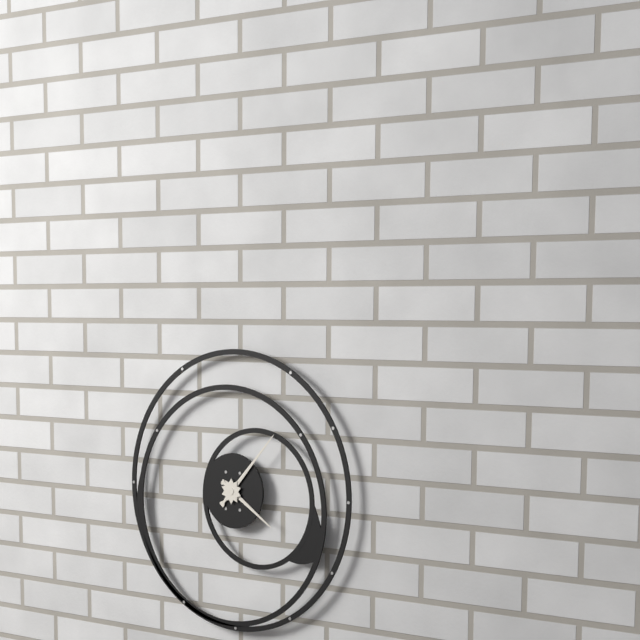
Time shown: {"hour": 4, "minute": 7}
